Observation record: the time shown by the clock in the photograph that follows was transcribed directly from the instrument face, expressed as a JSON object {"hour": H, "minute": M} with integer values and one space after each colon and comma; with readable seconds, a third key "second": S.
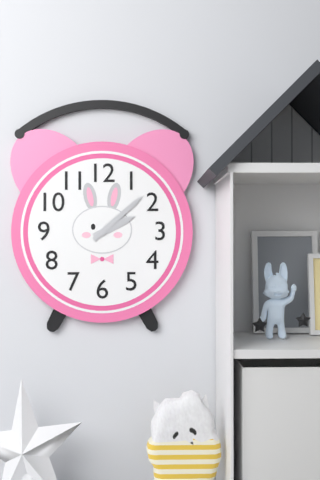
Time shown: {"hour": 2, "minute": 8}
